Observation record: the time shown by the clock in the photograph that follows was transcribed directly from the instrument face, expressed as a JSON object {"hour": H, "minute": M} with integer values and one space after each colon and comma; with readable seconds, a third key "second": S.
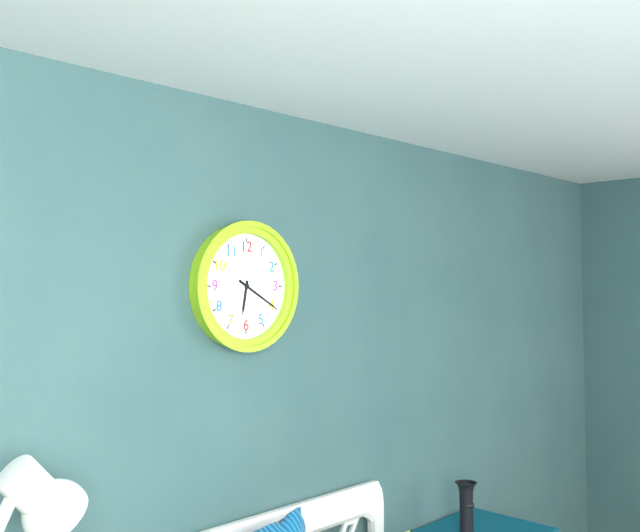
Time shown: {"hour": 6, "minute": 20}
